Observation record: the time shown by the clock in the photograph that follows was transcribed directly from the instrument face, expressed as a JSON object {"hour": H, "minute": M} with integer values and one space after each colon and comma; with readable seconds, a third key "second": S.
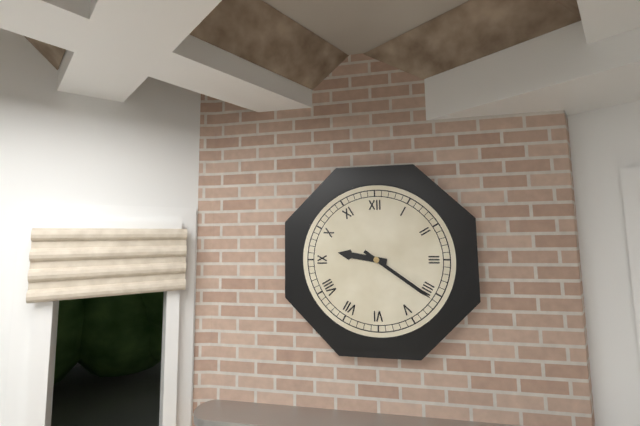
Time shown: {"hour": 9, "minute": 21}
